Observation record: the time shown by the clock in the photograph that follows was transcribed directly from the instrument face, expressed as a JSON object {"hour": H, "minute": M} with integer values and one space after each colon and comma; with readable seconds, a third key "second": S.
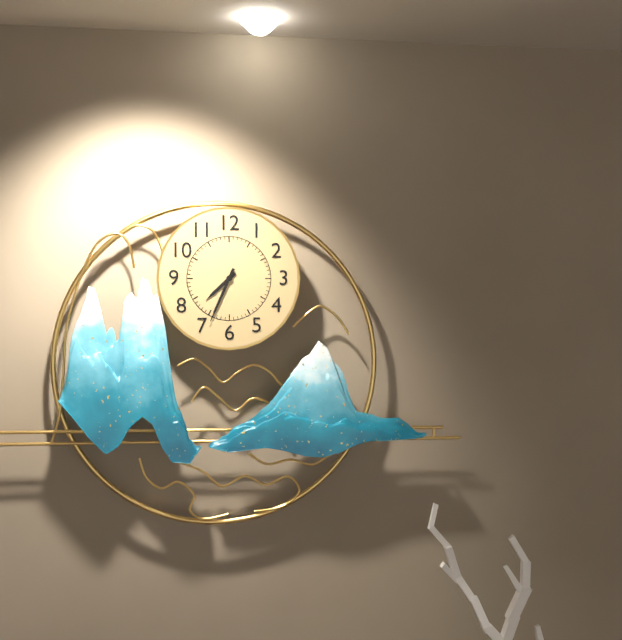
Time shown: {"hour": 7, "minute": 34}
